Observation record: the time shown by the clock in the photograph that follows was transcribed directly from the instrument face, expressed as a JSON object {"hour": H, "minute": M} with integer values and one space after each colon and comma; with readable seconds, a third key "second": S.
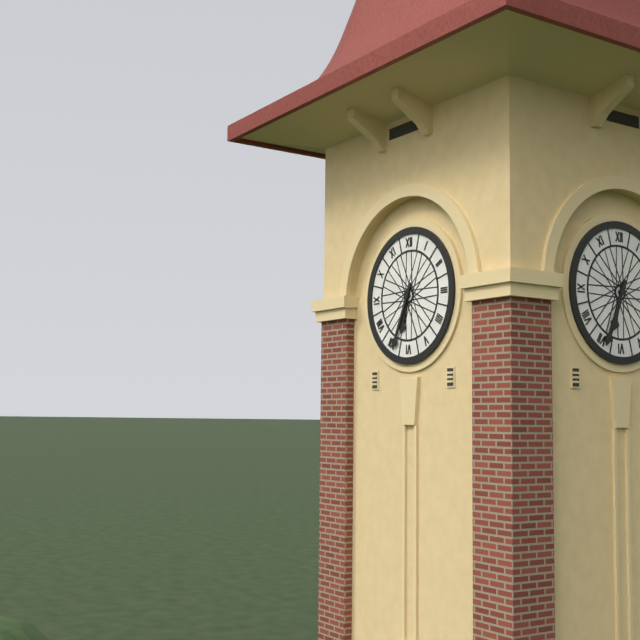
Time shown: {"hour": 6, "minute": 34}
